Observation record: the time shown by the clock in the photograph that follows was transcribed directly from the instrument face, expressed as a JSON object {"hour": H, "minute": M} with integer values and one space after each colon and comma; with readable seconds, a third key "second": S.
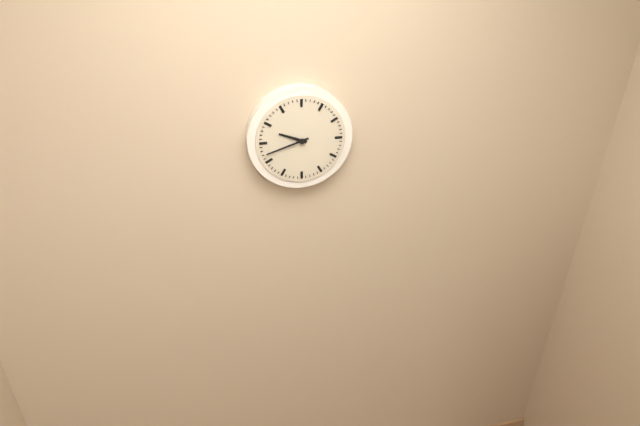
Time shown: {"hour": 9, "minute": 42}
